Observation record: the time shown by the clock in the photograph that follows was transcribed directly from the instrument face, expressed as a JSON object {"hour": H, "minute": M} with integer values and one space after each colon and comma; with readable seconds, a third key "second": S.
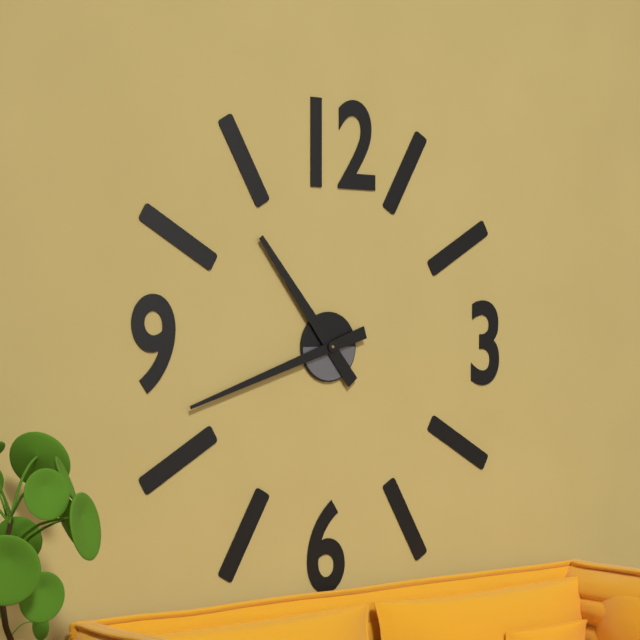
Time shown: {"hour": 10, "minute": 42}
